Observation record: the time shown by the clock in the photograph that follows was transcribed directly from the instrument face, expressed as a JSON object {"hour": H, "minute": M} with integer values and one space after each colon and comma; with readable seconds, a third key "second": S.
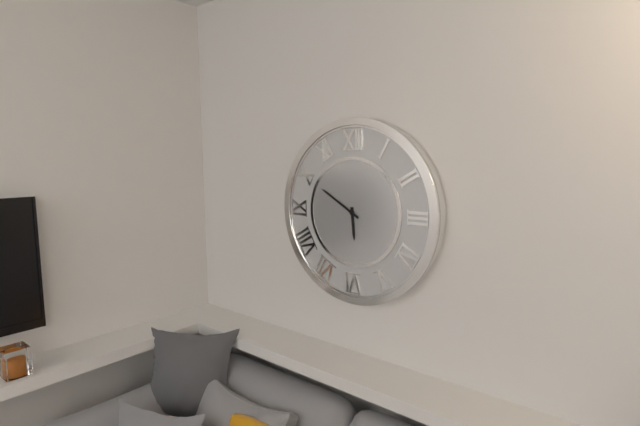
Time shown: {"hour": 5, "minute": 50}
